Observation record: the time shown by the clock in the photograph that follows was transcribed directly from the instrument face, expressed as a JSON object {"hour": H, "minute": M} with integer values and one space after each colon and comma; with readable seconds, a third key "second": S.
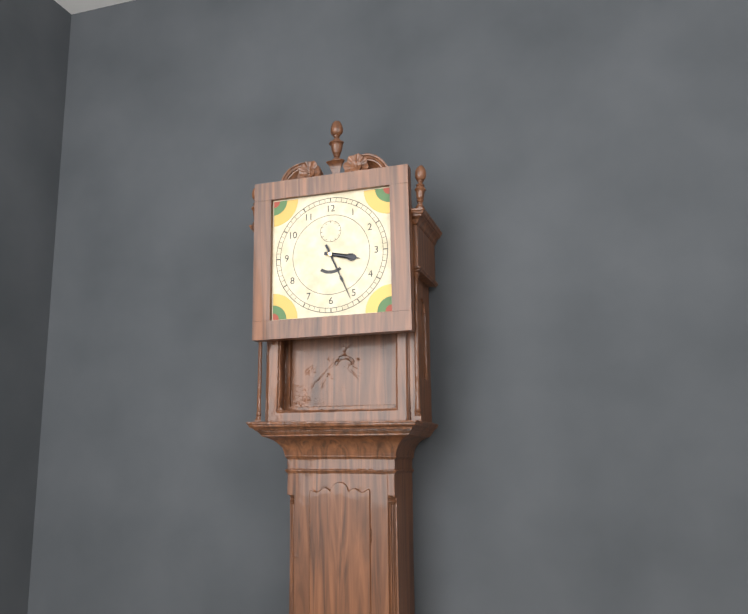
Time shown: {"hour": 3, "minute": 26}
